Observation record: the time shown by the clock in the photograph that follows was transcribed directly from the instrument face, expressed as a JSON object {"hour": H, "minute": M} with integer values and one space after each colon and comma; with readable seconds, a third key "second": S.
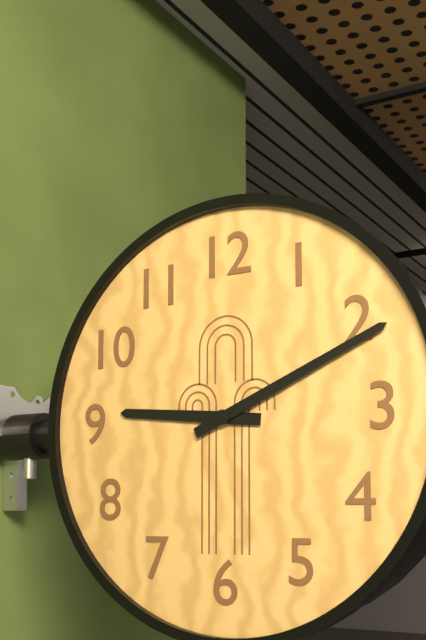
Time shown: {"hour": 9, "minute": 11}
